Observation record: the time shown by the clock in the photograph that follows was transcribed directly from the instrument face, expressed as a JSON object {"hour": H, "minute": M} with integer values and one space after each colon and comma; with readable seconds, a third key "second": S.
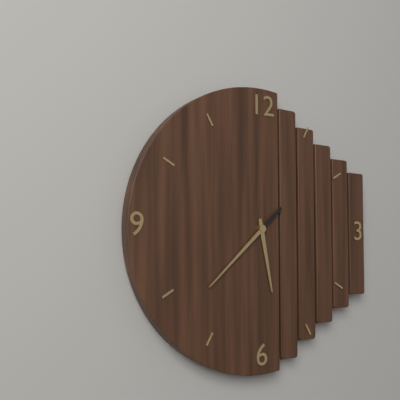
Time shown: {"hour": 5, "minute": 38}
